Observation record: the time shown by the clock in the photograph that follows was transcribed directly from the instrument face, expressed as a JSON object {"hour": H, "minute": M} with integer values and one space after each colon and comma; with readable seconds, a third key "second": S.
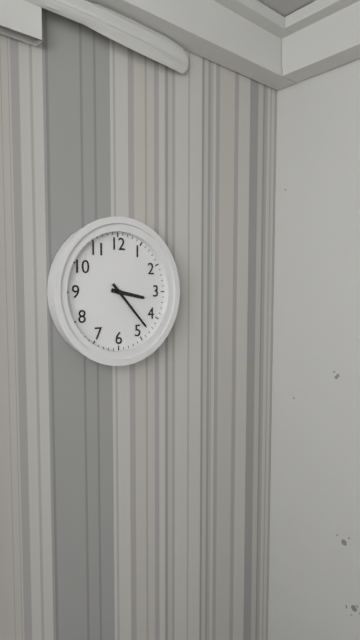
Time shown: {"hour": 3, "minute": 23}
